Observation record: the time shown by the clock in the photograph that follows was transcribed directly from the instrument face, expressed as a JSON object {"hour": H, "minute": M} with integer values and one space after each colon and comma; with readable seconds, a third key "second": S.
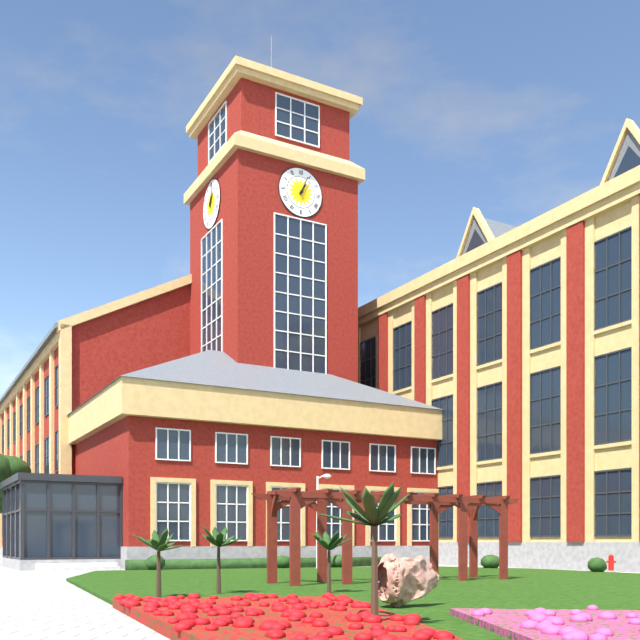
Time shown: {"hour": 1, "minute": 4}
